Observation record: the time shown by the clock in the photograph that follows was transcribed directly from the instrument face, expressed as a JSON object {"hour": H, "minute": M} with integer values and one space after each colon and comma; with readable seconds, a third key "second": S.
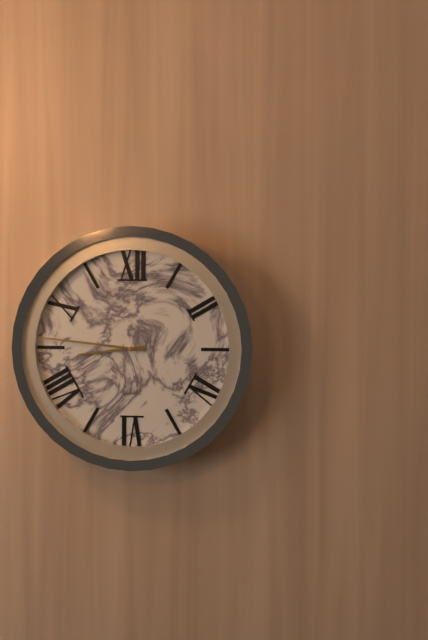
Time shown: {"hour": 8, "minute": 46}
